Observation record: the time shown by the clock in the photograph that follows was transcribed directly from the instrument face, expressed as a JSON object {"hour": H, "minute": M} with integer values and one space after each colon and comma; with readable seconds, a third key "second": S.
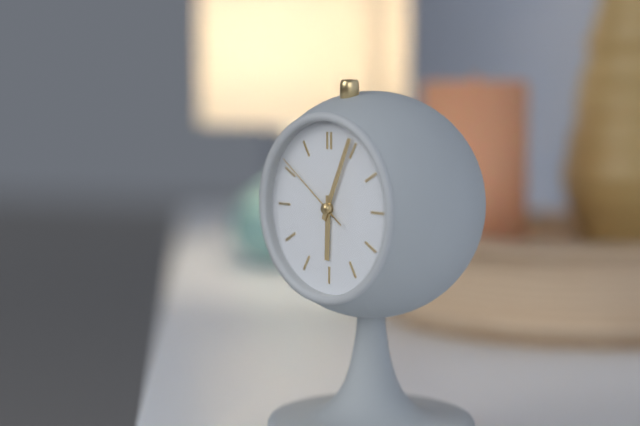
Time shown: {"hour": 6, "minute": 4, "second": 51}
